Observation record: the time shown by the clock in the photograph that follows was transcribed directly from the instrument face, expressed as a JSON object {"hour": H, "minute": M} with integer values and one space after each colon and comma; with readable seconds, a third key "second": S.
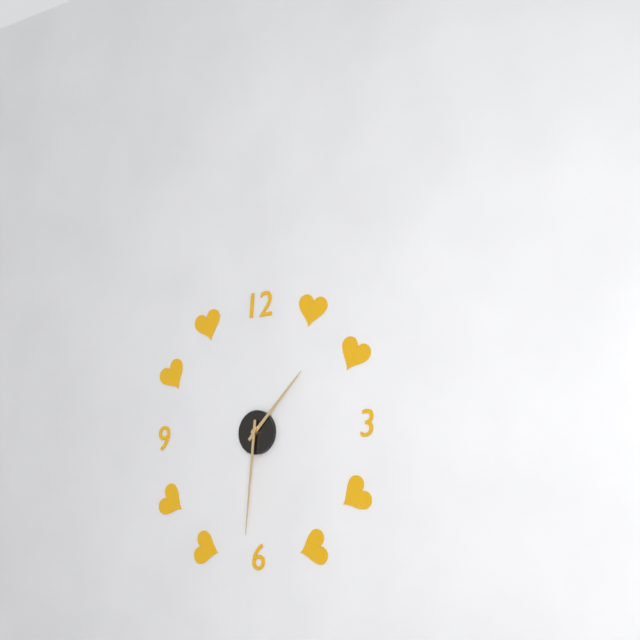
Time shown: {"hour": 1, "minute": 31}
